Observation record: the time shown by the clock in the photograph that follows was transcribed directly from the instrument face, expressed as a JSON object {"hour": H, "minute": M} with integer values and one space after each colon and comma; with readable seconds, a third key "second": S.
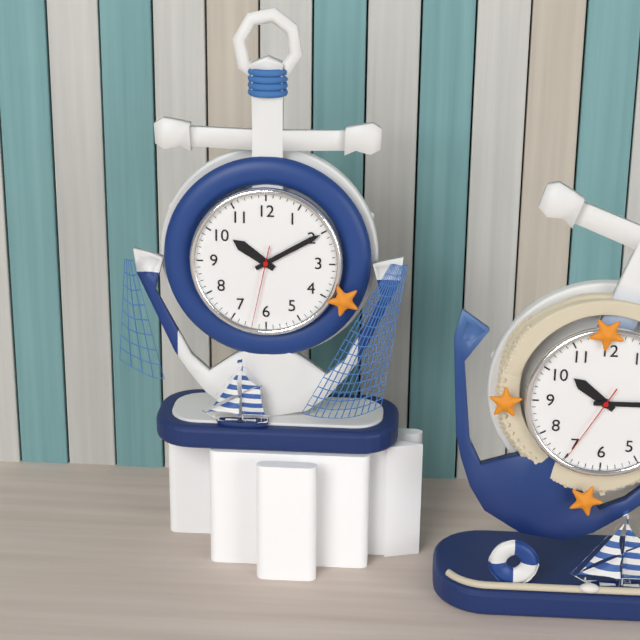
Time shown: {"hour": 10, "minute": 10, "second": 32}
